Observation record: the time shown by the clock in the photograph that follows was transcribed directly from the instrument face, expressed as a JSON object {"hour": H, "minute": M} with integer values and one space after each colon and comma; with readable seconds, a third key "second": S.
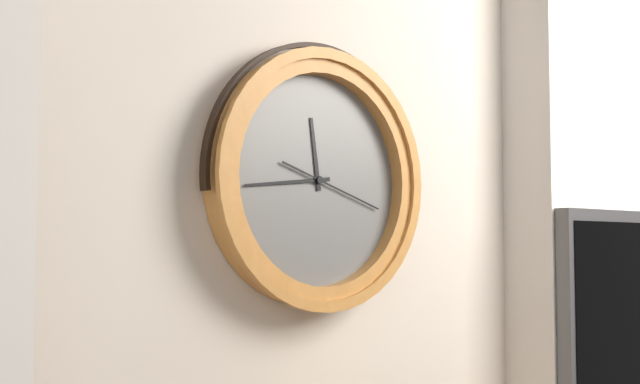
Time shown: {"hour": 11, "minute": 44, "second": 18}
